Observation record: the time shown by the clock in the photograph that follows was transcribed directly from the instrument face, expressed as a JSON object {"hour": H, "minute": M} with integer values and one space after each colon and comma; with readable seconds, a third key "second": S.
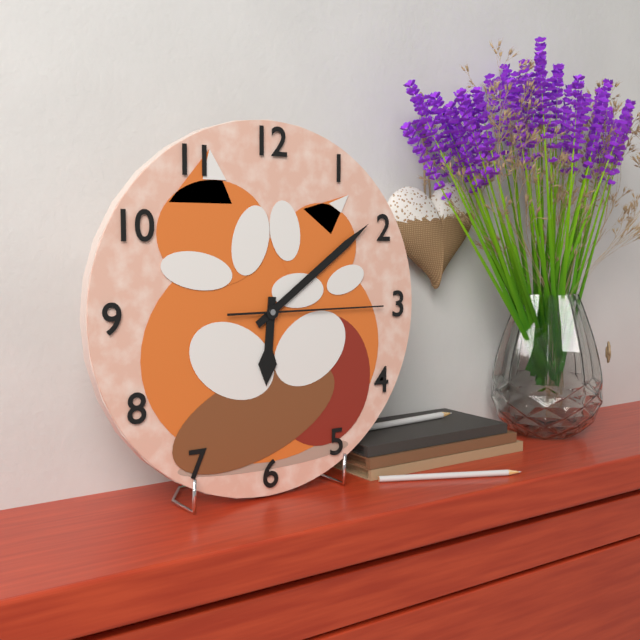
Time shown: {"hour": 6, "minute": 9, "second": 15}
